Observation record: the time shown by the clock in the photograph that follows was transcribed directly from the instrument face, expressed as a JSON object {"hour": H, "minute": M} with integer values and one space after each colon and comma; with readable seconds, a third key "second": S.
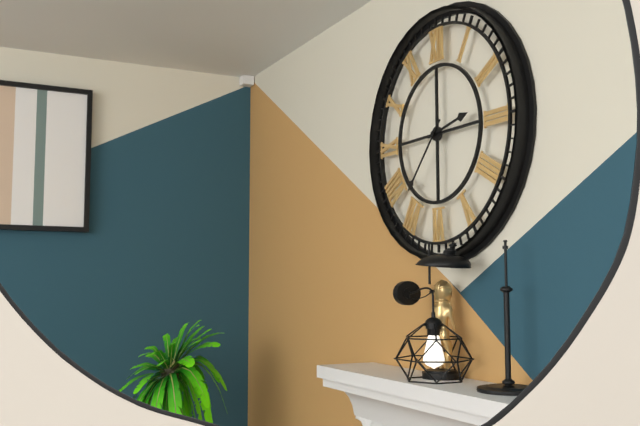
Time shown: {"hour": 2, "minute": 37}
